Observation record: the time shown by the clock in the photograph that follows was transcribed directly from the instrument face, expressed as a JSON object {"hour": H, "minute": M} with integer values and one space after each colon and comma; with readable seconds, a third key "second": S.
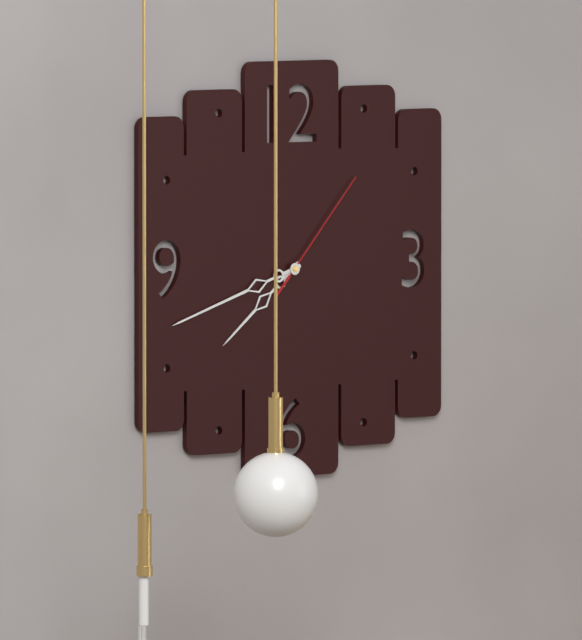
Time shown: {"hour": 7, "minute": 42, "second": 7}
